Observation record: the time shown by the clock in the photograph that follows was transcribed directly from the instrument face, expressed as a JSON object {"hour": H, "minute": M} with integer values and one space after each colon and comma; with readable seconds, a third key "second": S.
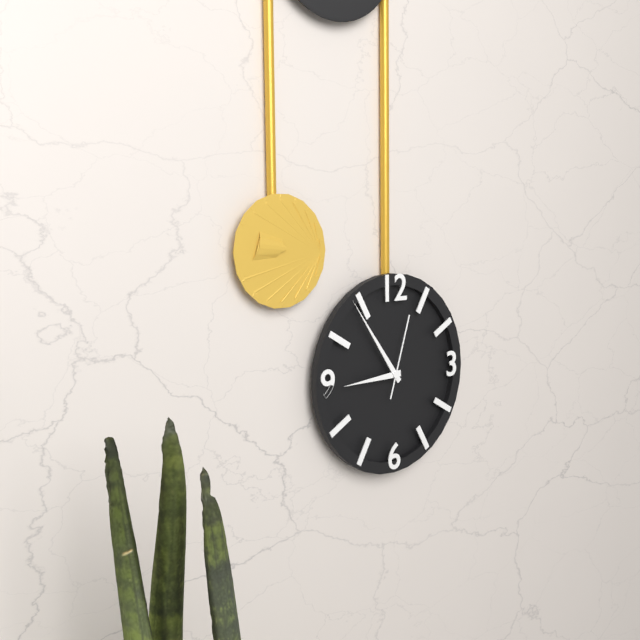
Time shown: {"hour": 8, "minute": 54, "second": 3}
